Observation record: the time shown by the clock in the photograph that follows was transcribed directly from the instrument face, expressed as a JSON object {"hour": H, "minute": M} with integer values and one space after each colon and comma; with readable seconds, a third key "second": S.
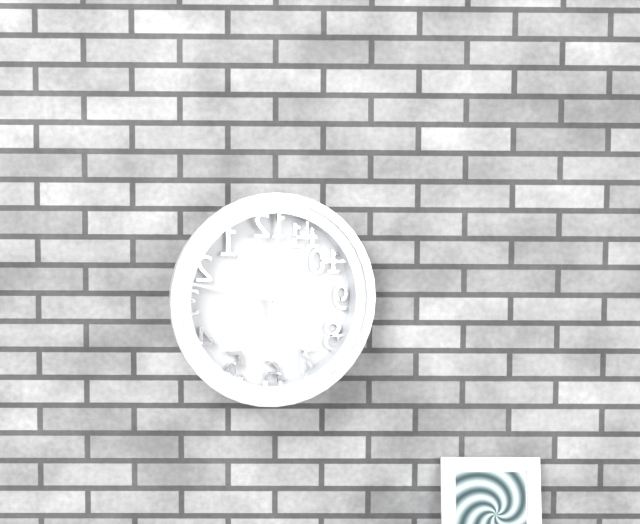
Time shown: {"hour": 5, "minute": 47}
